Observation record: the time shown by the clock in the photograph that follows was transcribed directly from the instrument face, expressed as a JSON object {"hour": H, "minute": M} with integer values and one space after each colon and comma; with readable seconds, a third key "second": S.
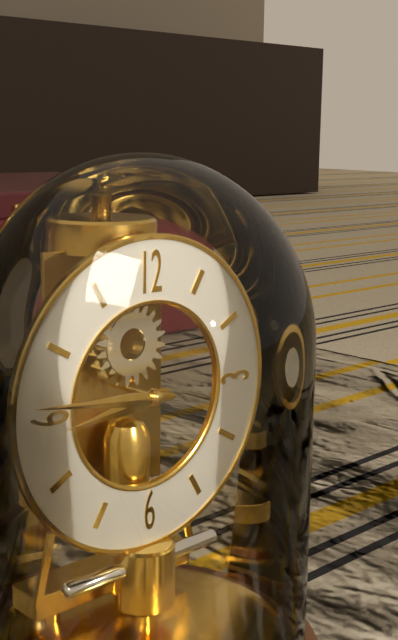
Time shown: {"hour": 8, "minute": 46}
